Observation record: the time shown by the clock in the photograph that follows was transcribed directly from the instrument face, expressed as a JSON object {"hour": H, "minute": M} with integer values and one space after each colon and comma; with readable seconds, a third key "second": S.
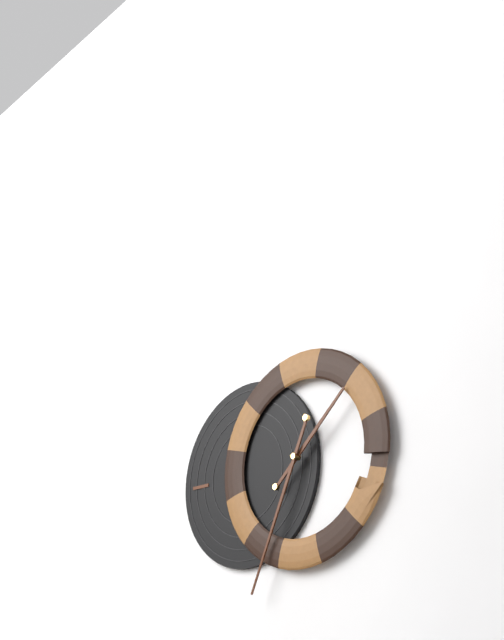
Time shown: {"hour": 1, "minute": 34}
